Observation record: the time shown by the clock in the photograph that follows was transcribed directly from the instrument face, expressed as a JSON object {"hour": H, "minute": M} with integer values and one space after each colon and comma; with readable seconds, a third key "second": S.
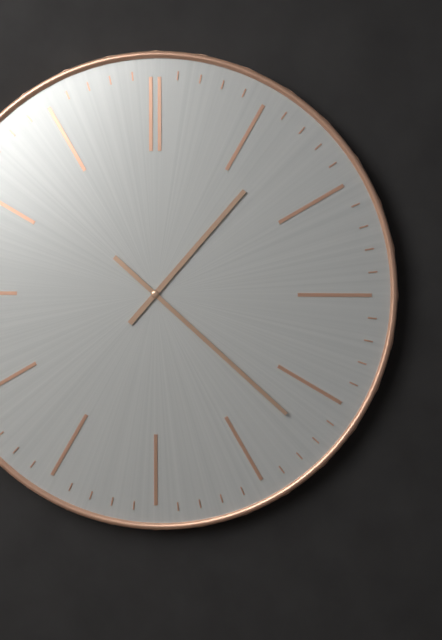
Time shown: {"hour": 1, "minute": 22}
